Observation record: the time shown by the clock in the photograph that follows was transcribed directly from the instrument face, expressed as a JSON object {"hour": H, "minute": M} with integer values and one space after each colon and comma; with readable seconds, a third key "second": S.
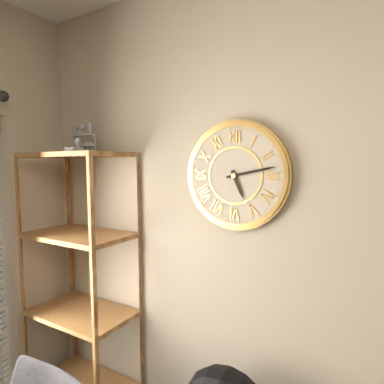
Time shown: {"hour": 5, "minute": 13}
